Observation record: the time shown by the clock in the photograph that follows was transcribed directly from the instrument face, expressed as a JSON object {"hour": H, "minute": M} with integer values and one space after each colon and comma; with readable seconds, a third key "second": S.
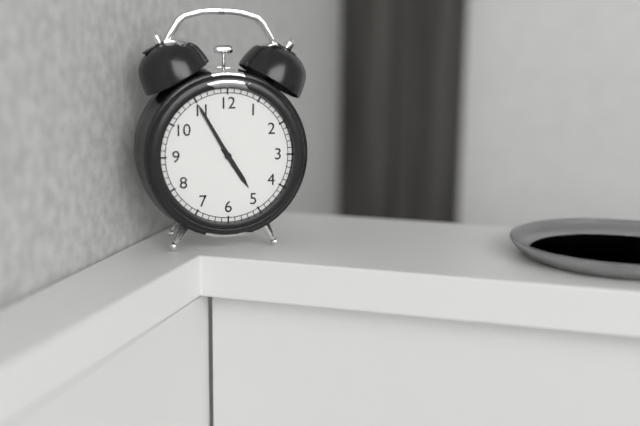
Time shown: {"hour": 4, "minute": 55}
